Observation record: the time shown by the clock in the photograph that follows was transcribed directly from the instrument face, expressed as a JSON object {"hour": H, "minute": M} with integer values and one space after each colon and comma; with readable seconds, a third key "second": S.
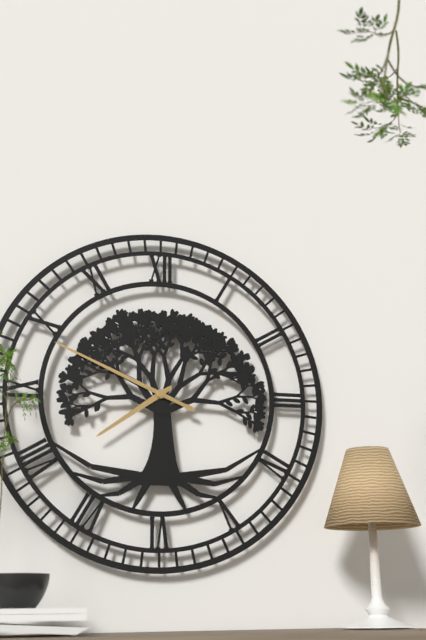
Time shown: {"hour": 7, "minute": 49}
